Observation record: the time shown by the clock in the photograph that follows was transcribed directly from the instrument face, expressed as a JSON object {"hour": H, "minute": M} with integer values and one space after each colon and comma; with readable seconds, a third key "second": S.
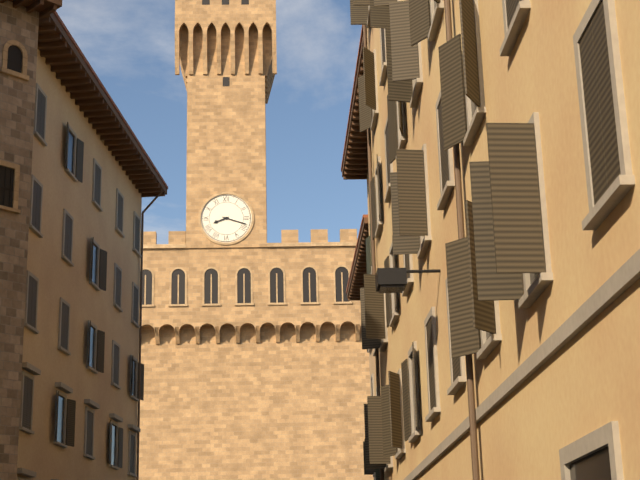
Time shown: {"hour": 8, "minute": 18}
